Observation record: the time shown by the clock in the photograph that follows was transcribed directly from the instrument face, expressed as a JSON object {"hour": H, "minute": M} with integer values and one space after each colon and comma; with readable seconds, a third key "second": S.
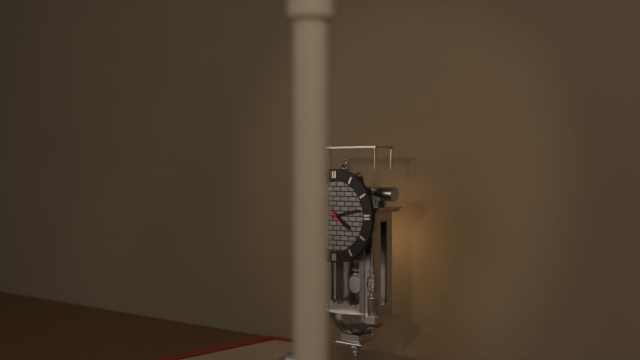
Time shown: {"hour": 4, "minute": 13}
